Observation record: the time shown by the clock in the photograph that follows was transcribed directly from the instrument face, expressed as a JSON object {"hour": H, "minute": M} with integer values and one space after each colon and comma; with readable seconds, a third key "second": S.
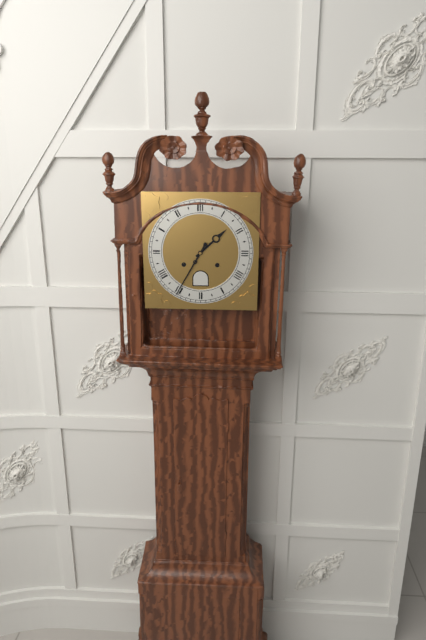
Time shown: {"hour": 1, "minute": 35}
